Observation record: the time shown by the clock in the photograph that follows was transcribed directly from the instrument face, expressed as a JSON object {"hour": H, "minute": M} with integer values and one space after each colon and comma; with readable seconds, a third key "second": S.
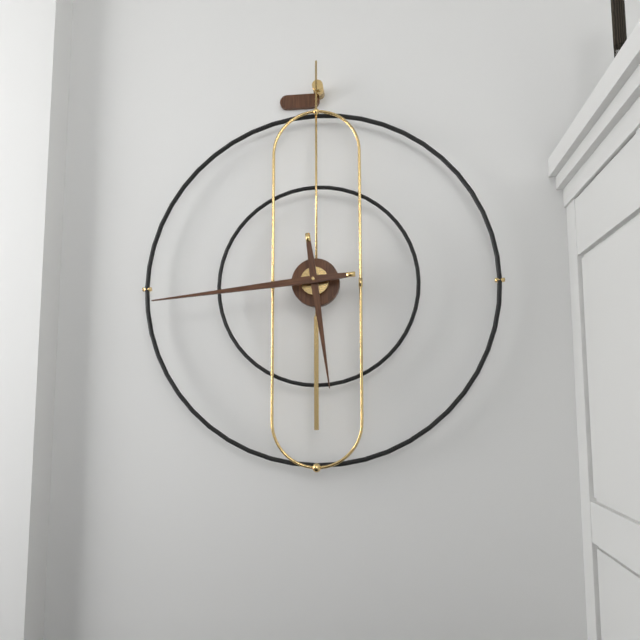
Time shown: {"hour": 5, "minute": 44}
